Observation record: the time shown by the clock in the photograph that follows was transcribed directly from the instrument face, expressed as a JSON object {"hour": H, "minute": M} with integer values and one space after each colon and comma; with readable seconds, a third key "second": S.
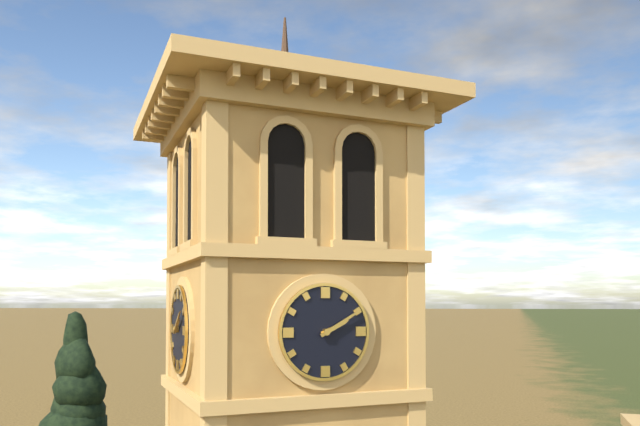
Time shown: {"hour": 2, "minute": 10}
